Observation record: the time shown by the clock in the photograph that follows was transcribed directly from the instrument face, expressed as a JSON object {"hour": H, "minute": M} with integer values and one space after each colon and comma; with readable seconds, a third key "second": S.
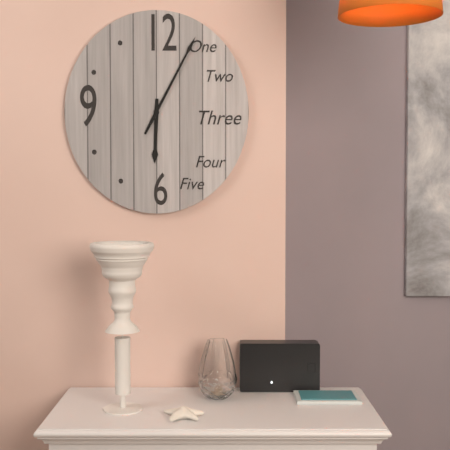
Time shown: {"hour": 6, "minute": 5}
